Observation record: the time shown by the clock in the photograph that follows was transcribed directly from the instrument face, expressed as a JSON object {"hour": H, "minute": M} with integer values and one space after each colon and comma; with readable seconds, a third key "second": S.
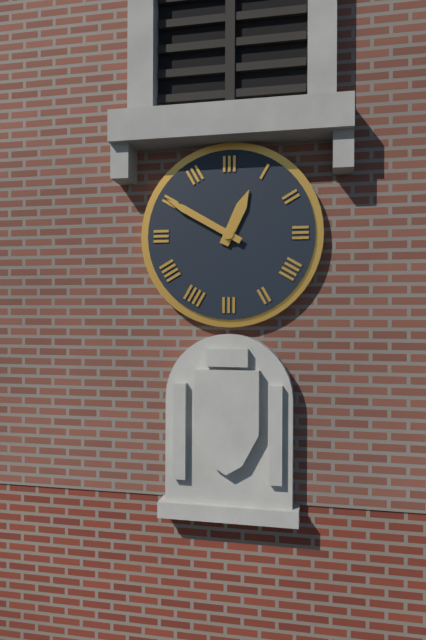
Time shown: {"hour": 12, "minute": 50}
